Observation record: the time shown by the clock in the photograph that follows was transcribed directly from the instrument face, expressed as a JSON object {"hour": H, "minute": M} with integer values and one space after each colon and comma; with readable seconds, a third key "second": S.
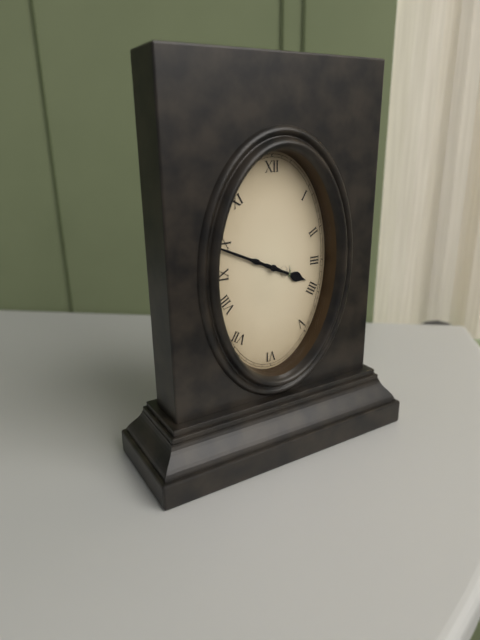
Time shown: {"hour": 3, "minute": 49, "second": 49}
